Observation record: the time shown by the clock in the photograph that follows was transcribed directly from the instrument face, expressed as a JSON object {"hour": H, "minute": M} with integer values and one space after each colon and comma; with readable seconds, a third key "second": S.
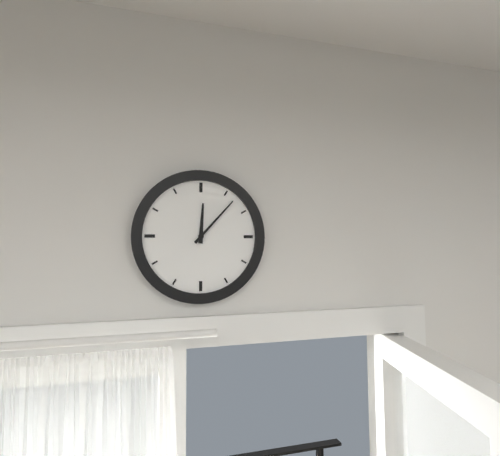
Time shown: {"hour": 12, "minute": 7}
